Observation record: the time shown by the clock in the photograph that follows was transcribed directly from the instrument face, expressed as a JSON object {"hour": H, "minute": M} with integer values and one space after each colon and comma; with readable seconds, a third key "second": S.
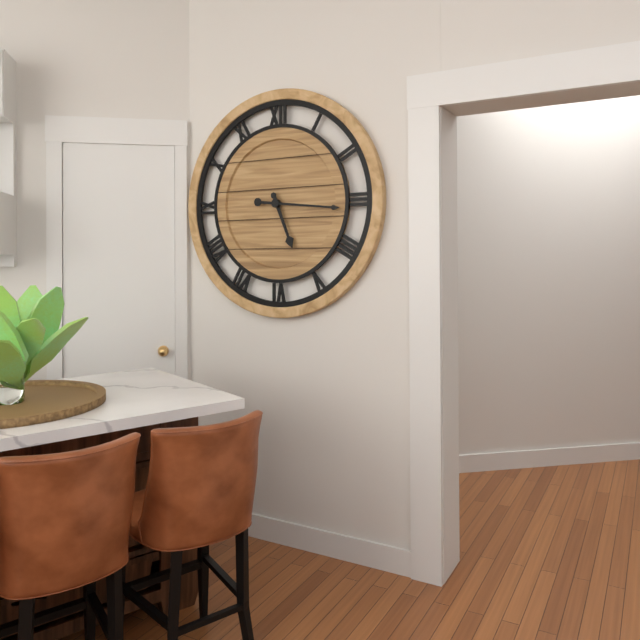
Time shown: {"hour": 5, "minute": 16}
